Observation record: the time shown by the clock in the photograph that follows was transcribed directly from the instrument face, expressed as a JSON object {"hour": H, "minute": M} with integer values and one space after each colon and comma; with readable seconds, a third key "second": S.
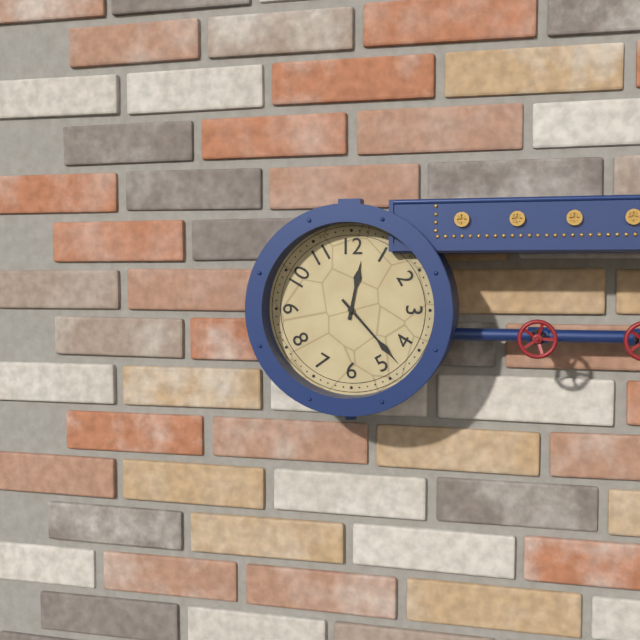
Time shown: {"hour": 12, "minute": 23}
